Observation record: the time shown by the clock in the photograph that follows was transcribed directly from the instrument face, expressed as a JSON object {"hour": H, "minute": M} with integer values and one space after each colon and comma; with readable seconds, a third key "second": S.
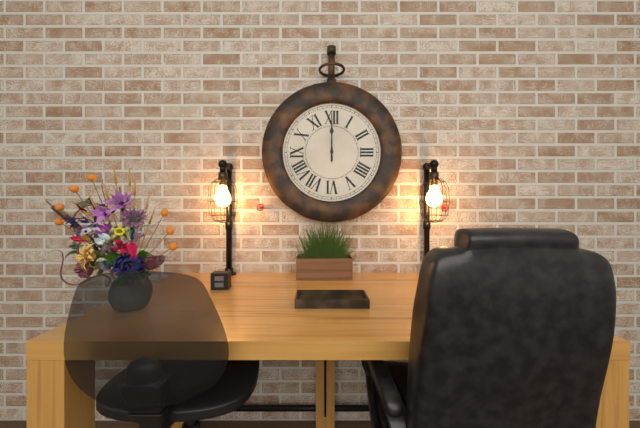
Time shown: {"hour": 12, "minute": 0}
